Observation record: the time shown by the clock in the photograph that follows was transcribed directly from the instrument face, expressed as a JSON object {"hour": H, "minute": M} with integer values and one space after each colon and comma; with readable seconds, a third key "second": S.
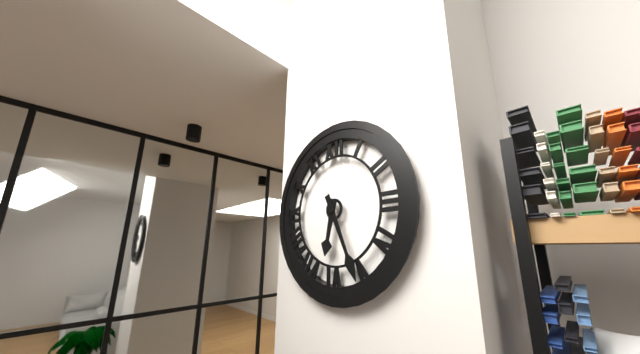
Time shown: {"hour": 6, "minute": 26}
